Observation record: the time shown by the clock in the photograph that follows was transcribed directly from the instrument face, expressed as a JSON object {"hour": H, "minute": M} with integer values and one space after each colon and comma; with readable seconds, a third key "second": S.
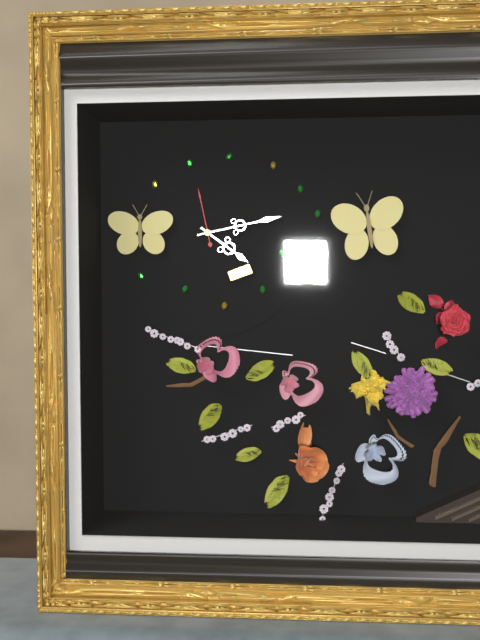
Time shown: {"hour": 4, "minute": 13, "second": 58}
